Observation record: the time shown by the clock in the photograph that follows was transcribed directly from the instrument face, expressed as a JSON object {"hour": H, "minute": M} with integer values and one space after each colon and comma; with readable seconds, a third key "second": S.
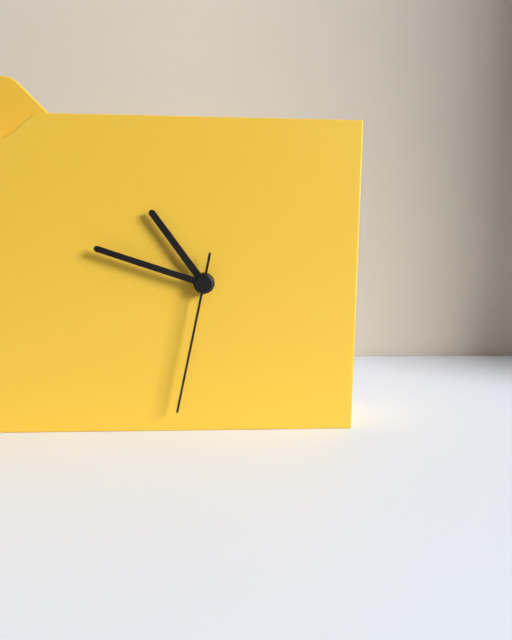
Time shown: {"hour": 10, "minute": 48, "second": 32}
